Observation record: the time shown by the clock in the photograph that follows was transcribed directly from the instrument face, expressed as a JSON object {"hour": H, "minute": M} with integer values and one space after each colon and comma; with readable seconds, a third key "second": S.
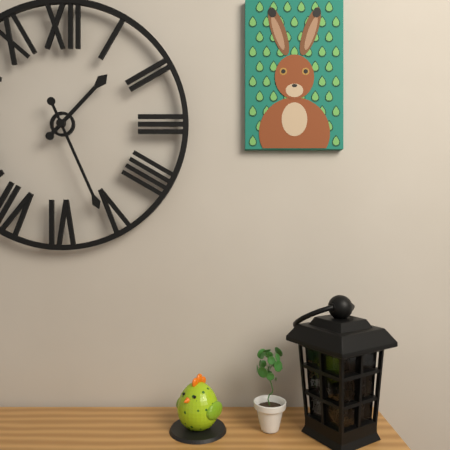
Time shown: {"hour": 1, "minute": 26}
